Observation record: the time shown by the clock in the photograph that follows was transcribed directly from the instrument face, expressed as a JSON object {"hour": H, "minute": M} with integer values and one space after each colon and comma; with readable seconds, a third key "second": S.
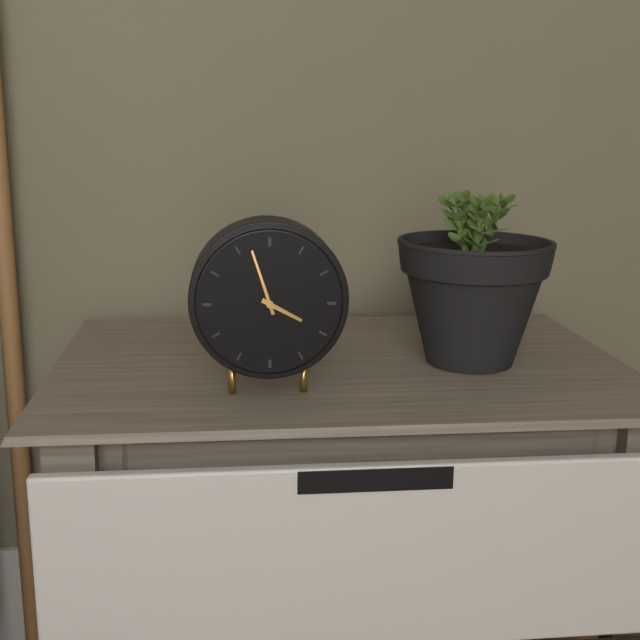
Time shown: {"hour": 3, "minute": 57}
